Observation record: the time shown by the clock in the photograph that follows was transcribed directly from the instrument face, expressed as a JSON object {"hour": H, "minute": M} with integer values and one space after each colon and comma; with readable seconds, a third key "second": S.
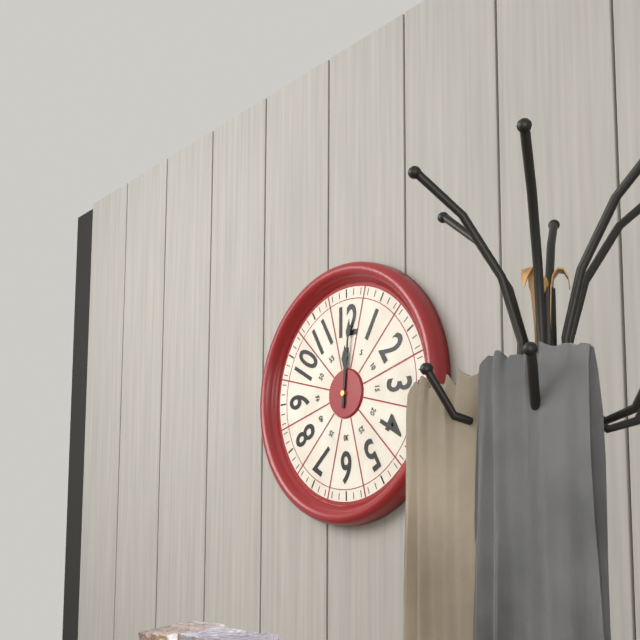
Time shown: {"hour": 12, "minute": 1}
